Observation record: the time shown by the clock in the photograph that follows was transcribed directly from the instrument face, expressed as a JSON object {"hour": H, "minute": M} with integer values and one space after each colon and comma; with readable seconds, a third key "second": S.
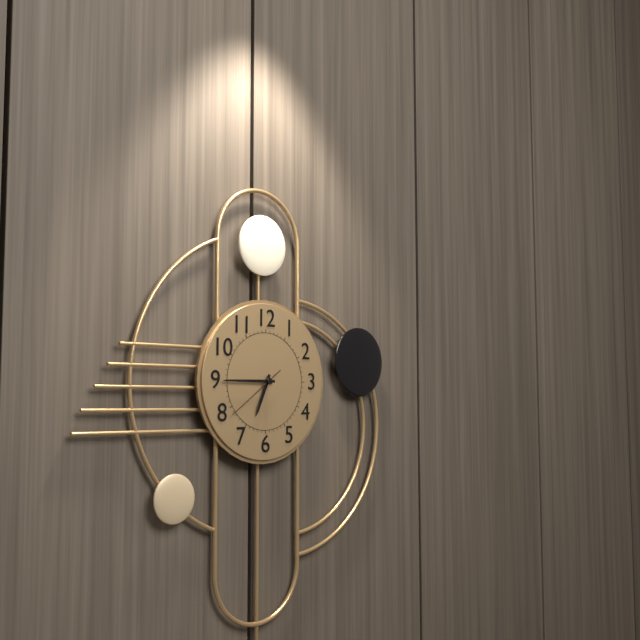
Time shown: {"hour": 6, "minute": 45, "second": 39}
